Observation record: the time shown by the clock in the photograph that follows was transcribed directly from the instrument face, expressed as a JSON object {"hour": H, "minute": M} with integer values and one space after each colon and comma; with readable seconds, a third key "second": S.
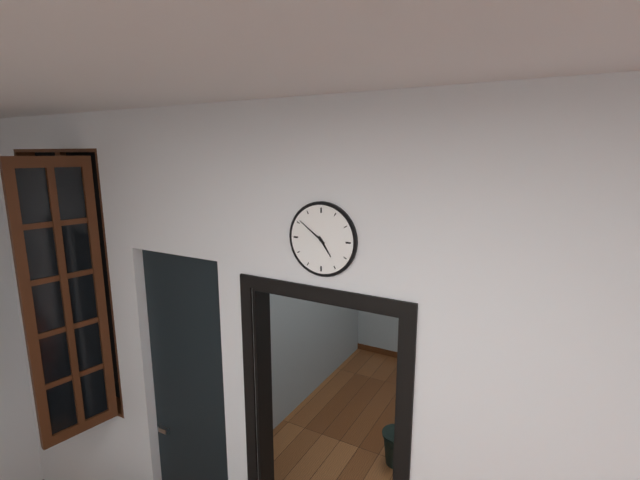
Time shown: {"hour": 4, "minute": 51}
